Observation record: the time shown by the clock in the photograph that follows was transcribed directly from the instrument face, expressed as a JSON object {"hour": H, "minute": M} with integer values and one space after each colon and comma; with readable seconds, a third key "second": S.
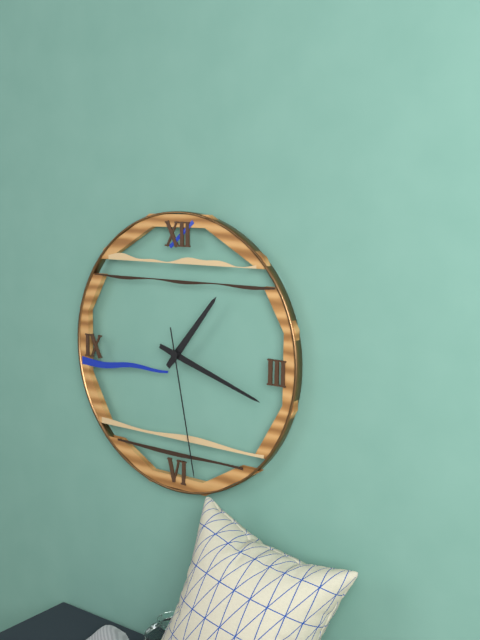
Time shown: {"hour": 1, "minute": 18, "second": 28}
